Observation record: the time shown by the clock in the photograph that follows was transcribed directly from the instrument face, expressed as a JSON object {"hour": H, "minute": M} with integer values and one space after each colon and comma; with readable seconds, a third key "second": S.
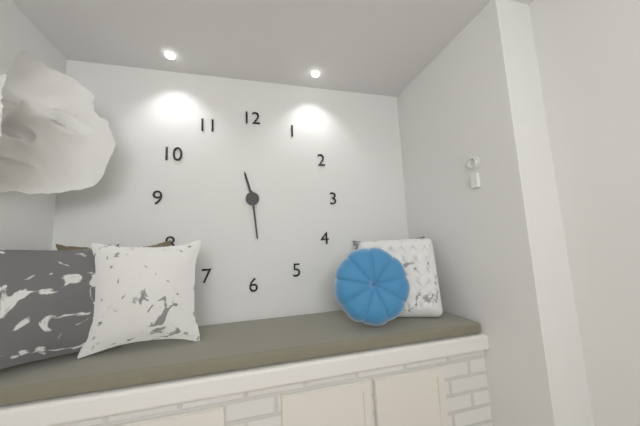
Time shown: {"hour": 11, "minute": 29}
